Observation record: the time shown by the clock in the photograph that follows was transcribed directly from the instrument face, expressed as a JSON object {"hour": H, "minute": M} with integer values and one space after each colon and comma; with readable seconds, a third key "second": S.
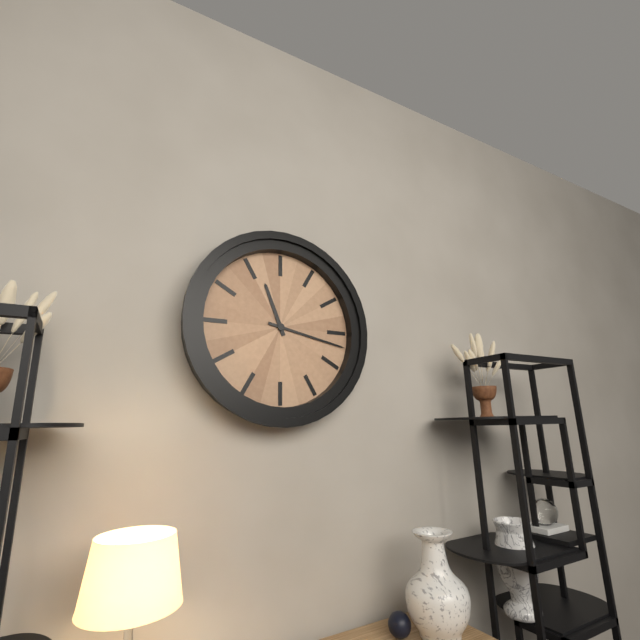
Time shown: {"hour": 11, "minute": 17}
